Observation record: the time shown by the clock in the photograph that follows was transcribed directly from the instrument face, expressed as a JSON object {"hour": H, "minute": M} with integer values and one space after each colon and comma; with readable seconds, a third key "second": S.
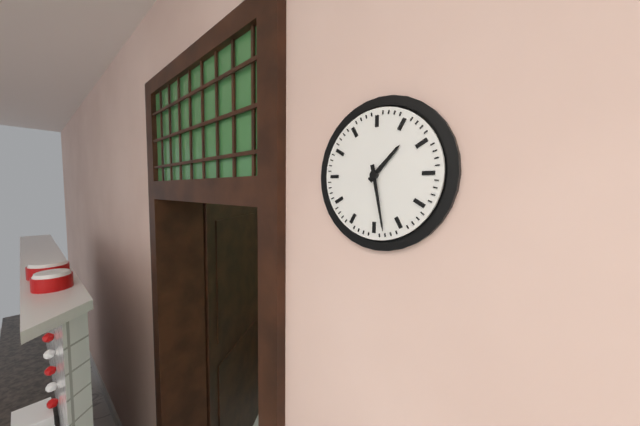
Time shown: {"hour": 1, "minute": 28}
